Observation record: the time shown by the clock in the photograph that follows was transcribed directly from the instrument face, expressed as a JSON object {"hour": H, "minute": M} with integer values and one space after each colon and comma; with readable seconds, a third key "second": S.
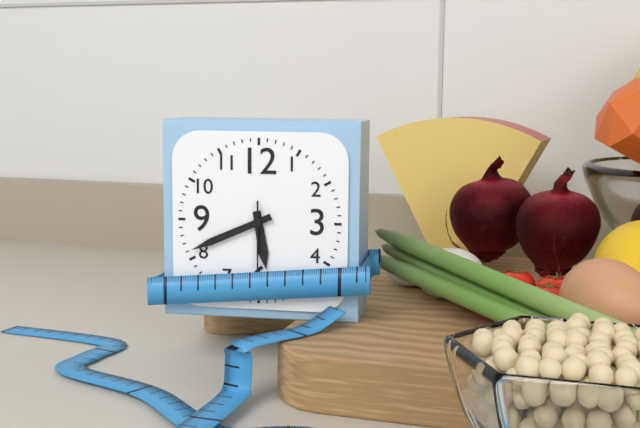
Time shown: {"hour": 5, "minute": 41}
